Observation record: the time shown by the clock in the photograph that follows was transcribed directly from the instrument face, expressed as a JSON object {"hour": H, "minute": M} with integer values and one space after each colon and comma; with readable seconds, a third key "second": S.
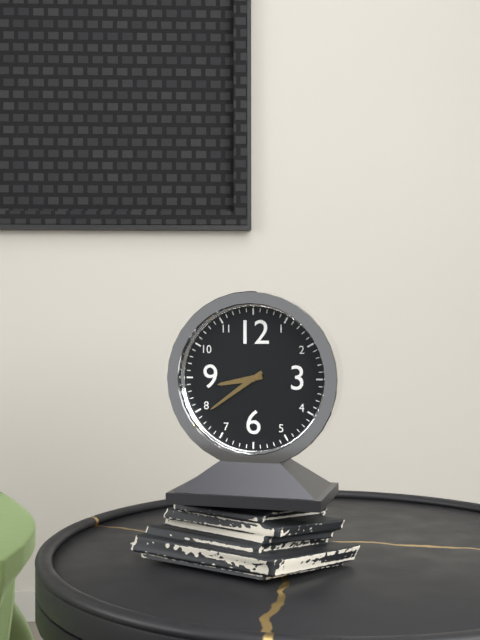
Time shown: {"hour": 8, "minute": 39}
